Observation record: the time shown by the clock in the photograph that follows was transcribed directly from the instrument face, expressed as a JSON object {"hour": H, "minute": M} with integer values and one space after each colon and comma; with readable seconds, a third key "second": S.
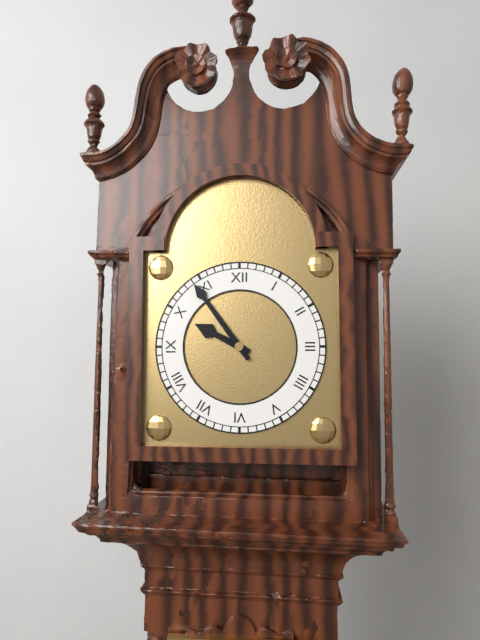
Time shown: {"hour": 9, "minute": 54}
